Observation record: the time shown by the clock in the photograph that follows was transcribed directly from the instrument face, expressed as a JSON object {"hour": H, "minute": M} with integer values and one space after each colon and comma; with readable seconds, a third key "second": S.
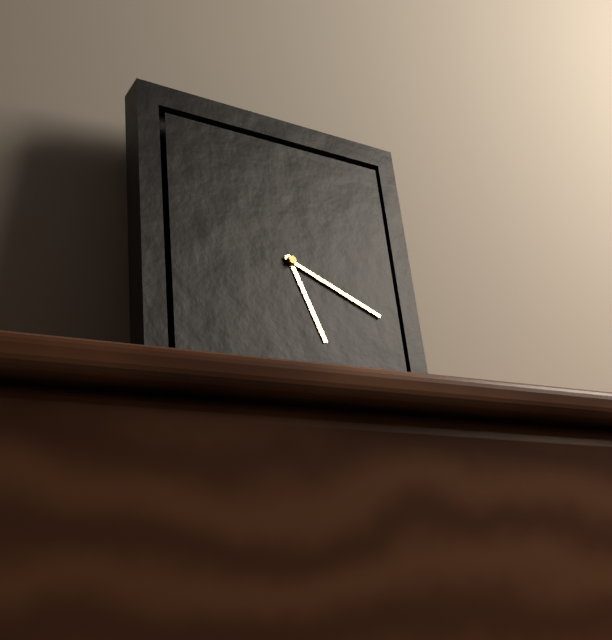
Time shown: {"hour": 5, "minute": 19}
